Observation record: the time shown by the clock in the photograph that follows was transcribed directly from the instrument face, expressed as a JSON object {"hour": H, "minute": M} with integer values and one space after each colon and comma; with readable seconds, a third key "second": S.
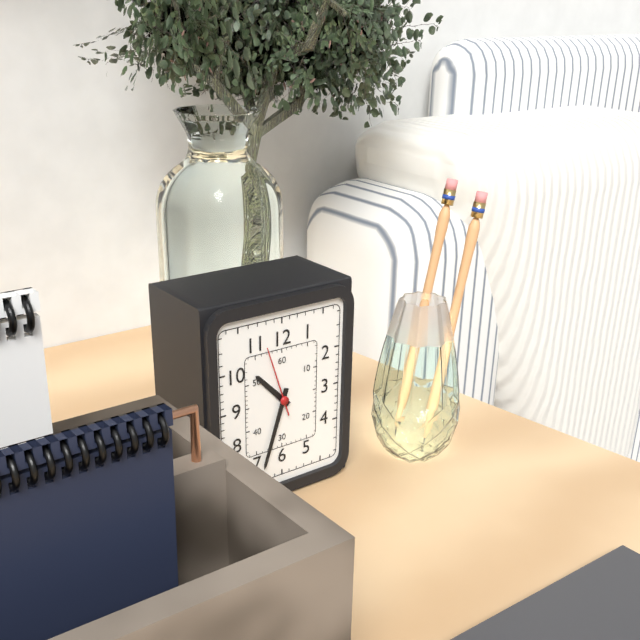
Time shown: {"hour": 10, "minute": 33, "second": 57}
